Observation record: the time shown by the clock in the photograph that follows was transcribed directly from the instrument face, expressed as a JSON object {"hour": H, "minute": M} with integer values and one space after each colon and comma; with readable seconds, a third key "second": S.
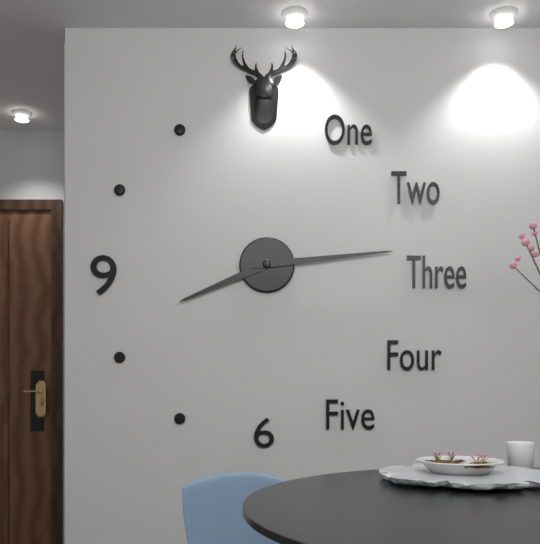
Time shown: {"hour": 8, "minute": 14}
